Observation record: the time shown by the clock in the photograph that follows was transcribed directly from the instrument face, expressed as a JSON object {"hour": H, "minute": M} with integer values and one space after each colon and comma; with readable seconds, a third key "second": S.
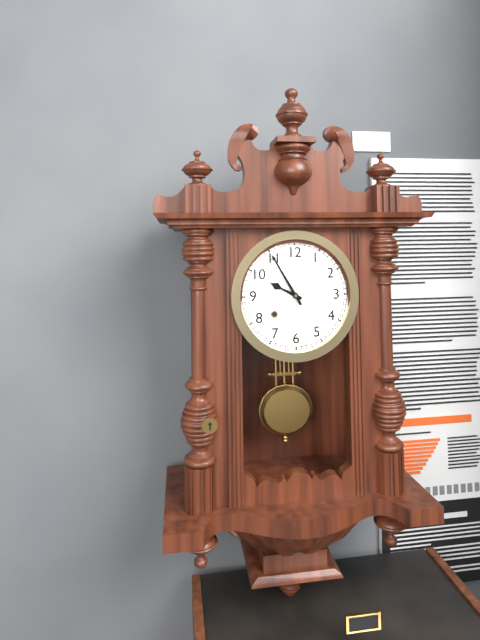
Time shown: {"hour": 9, "minute": 55}
